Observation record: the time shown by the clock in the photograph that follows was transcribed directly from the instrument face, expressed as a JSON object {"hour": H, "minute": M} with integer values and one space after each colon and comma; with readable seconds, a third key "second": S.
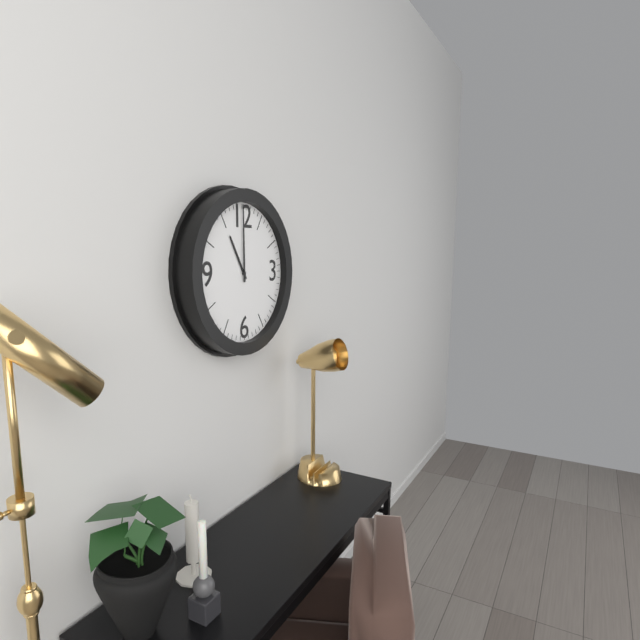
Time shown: {"hour": 11, "minute": 0}
